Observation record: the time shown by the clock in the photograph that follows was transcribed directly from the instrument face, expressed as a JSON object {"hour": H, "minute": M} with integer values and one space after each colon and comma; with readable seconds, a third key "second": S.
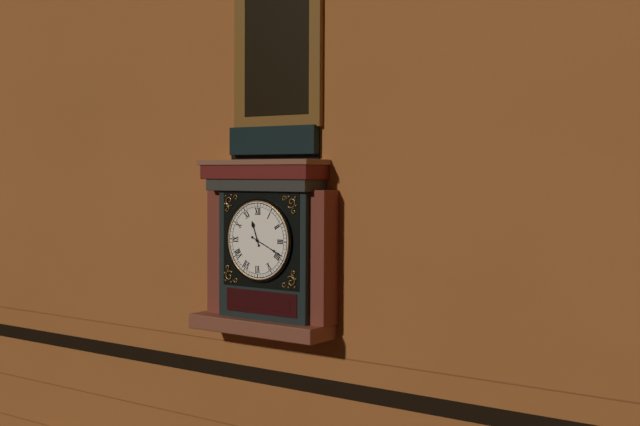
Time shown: {"hour": 11, "minute": 19}
